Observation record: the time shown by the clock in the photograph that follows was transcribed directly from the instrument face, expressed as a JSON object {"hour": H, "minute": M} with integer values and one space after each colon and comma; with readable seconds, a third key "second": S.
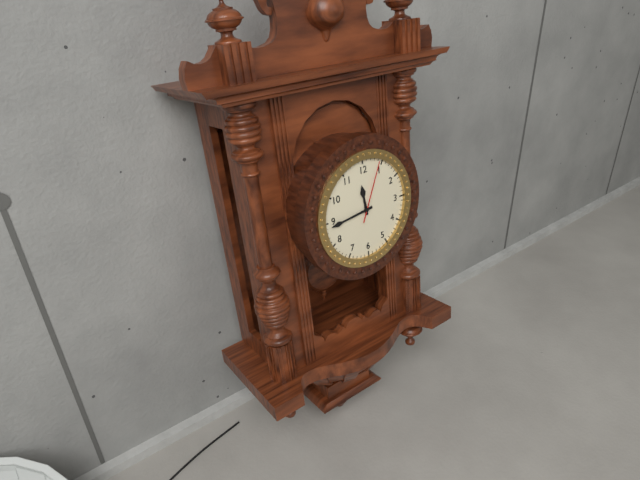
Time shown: {"hour": 11, "minute": 44, "second": 4}
